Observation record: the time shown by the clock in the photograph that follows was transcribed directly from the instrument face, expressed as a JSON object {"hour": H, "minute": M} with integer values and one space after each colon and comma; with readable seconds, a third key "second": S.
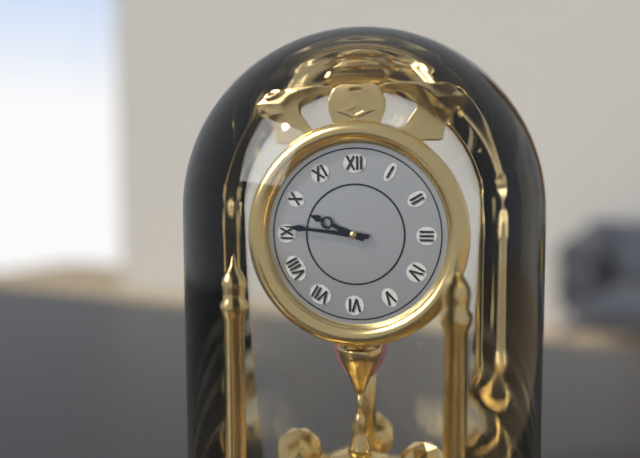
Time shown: {"hour": 9, "minute": 46}
